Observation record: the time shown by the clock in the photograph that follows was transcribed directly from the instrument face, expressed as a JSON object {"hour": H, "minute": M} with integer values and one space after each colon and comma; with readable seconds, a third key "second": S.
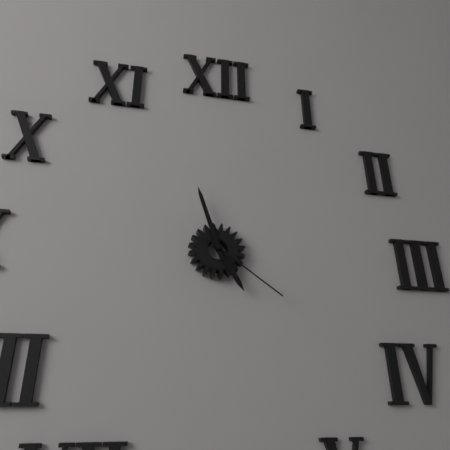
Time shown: {"hour": 4, "minute": 57, "second": 21}
